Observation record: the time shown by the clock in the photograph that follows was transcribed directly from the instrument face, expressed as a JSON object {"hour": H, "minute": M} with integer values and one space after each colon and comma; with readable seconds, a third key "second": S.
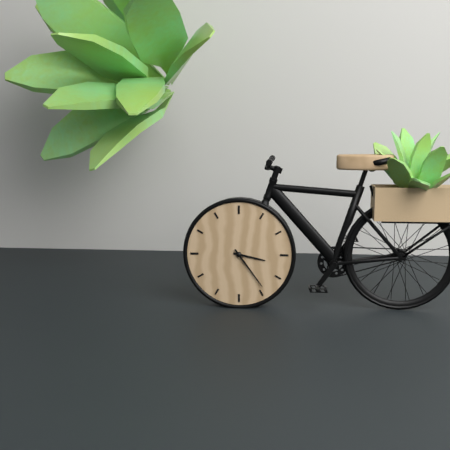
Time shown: {"hour": 3, "minute": 24}
